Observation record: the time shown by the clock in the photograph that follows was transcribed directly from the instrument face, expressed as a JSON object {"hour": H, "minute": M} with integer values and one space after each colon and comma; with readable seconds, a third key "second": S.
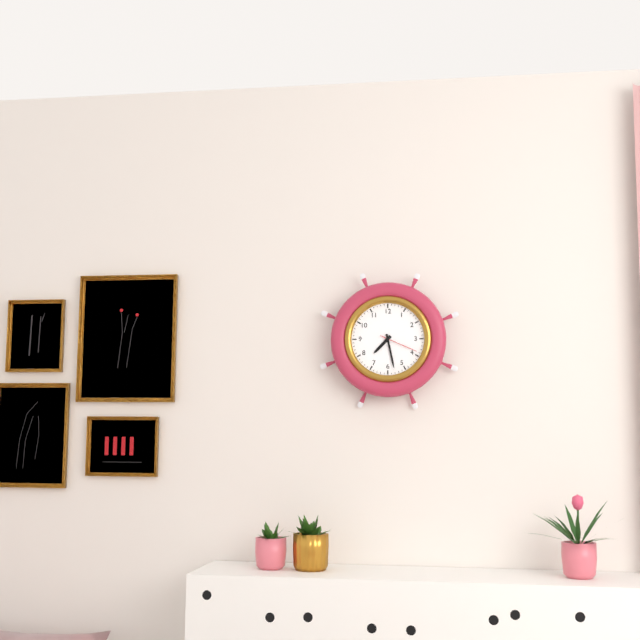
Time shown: {"hour": 7, "minute": 28}
